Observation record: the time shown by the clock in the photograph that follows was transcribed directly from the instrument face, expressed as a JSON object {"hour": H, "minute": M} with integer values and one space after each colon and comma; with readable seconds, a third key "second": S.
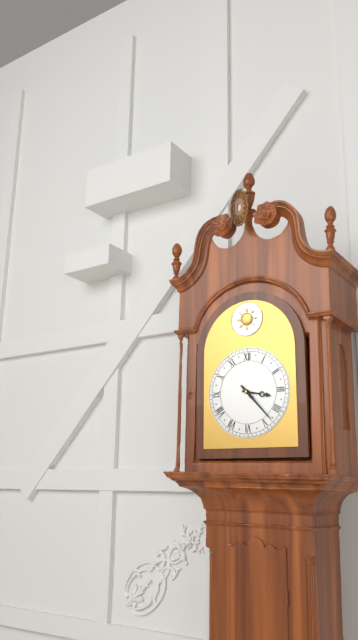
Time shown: {"hour": 3, "minute": 23}
